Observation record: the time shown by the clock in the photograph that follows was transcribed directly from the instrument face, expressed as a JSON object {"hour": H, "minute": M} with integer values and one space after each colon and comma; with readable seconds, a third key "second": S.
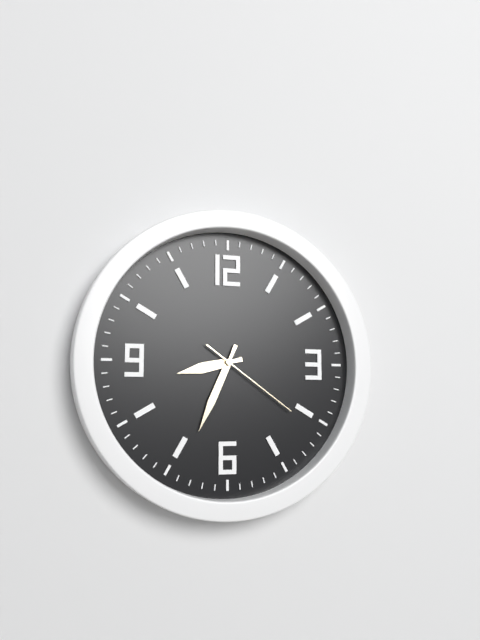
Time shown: {"hour": 8, "minute": 34, "second": 21}
